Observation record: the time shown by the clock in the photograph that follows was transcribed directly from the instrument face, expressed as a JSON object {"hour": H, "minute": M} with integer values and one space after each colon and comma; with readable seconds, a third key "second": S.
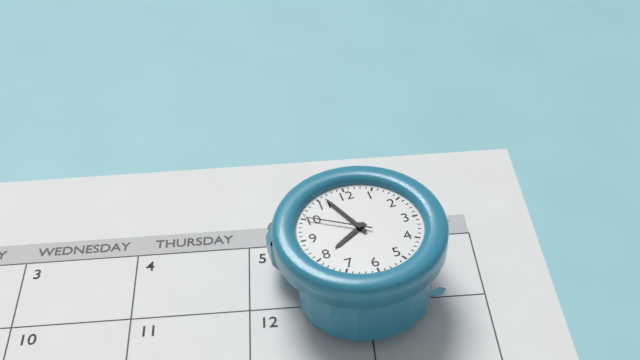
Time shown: {"hour": 7, "minute": 56, "second": 50}
